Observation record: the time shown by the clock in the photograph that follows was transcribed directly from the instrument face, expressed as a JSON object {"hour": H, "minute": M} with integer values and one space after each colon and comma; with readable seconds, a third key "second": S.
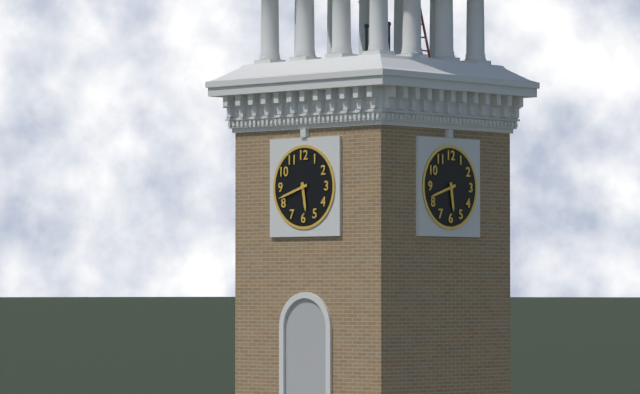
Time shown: {"hour": 5, "minute": 42}
